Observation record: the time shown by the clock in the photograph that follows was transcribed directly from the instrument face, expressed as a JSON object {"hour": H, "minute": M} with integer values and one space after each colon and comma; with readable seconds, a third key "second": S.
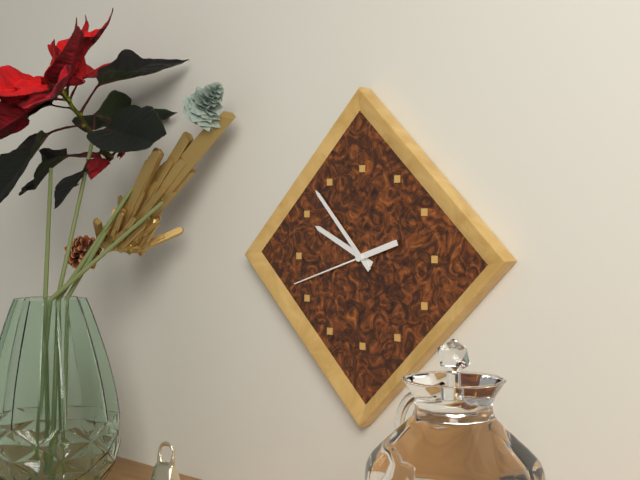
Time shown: {"hour": 9, "minute": 53, "second": 42}
